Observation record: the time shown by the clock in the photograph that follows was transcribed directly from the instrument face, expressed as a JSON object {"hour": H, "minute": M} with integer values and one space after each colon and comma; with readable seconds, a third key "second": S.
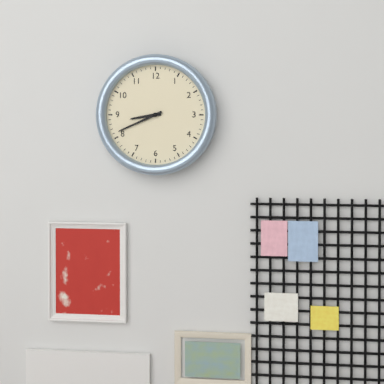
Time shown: {"hour": 8, "minute": 41}
